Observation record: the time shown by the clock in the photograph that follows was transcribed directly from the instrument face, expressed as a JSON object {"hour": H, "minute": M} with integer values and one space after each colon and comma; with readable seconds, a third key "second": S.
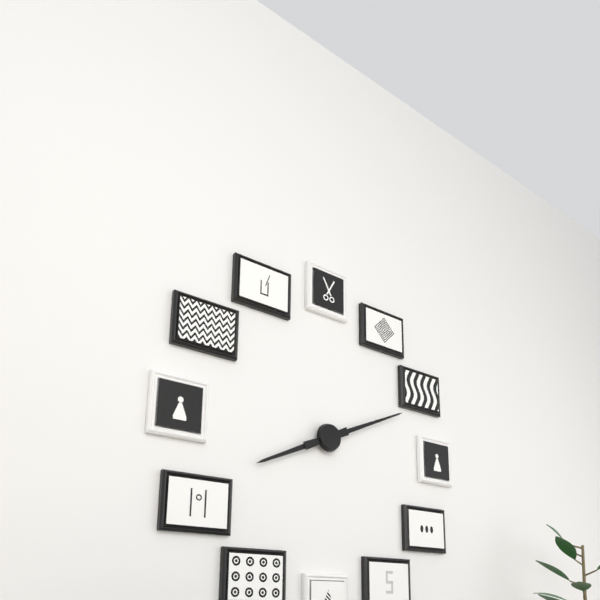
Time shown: {"hour": 8, "minute": 11}
